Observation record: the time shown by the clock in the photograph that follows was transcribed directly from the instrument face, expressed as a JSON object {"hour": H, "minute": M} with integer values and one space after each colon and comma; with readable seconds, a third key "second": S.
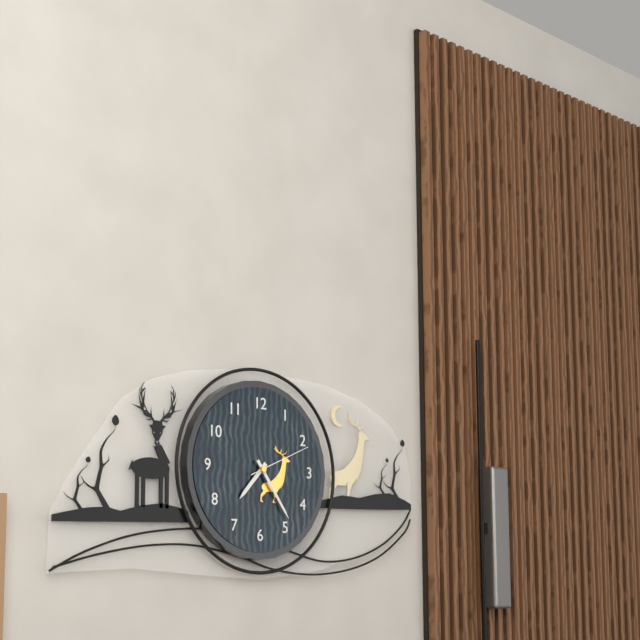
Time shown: {"hour": 7, "minute": 24, "second": 11}
